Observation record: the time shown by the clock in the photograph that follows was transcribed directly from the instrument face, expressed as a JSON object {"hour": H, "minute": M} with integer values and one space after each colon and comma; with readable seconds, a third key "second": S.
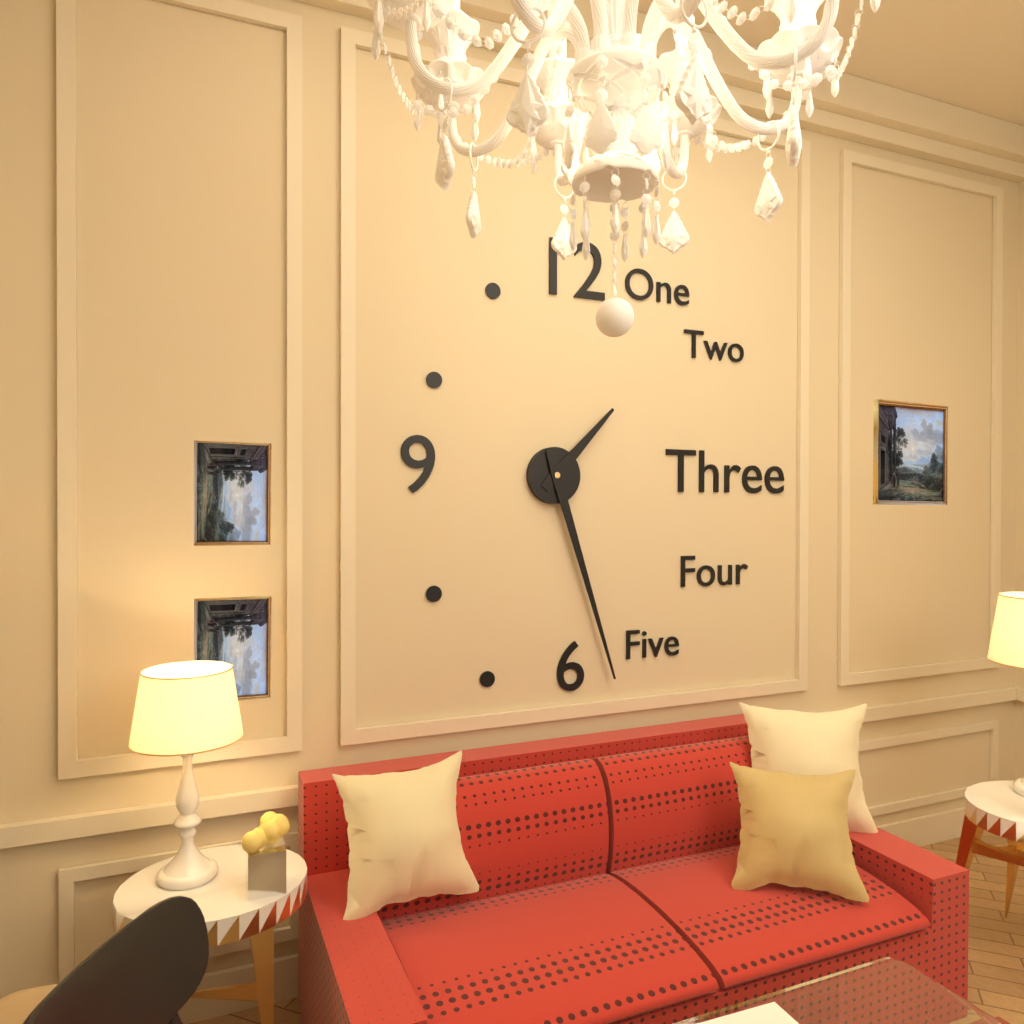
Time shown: {"hour": 1, "minute": 27}
